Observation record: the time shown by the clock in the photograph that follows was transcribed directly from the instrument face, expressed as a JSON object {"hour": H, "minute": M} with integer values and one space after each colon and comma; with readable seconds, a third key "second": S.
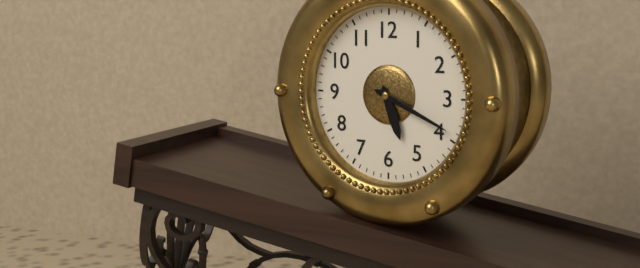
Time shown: {"hour": 5, "minute": 19}
